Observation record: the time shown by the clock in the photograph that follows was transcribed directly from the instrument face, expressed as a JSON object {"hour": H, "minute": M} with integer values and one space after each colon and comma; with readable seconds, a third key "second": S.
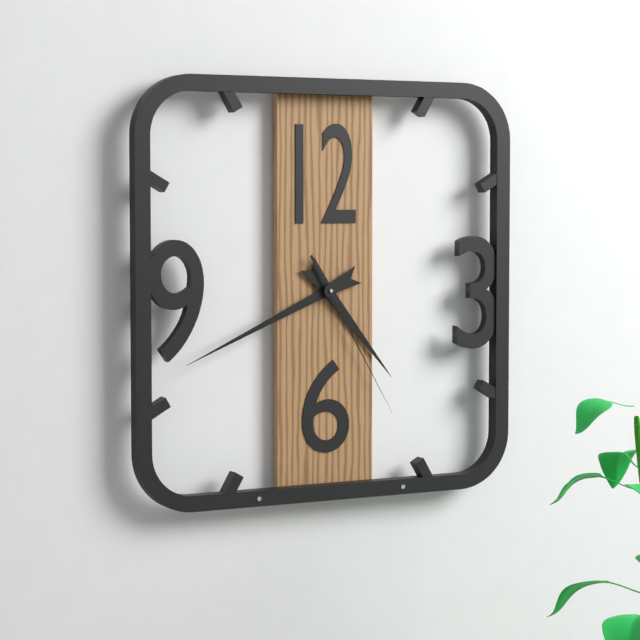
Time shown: {"hour": 4, "minute": 41, "second": 25}
